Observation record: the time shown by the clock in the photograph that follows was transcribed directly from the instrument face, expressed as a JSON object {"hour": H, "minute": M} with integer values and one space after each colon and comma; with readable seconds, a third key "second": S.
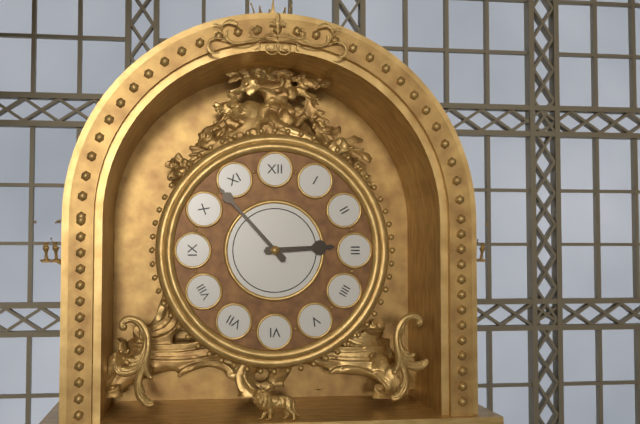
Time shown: {"hour": 2, "minute": 53}
